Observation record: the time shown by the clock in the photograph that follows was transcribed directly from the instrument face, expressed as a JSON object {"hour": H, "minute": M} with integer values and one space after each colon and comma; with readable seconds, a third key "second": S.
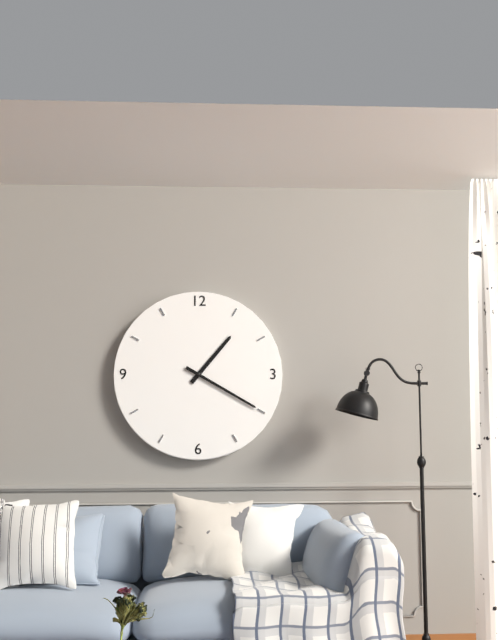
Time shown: {"hour": 1, "minute": 20}
